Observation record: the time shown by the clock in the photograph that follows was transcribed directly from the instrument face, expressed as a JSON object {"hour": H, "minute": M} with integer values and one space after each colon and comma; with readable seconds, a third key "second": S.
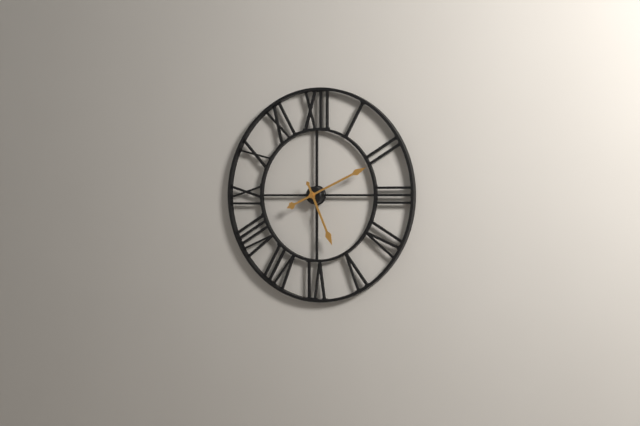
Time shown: {"hour": 5, "minute": 11}
